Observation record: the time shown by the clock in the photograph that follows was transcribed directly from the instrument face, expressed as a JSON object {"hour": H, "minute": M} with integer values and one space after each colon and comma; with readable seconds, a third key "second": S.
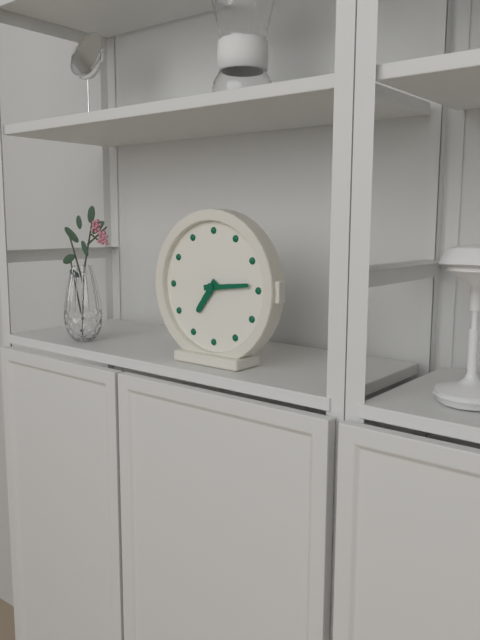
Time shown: {"hour": 7, "minute": 14}
